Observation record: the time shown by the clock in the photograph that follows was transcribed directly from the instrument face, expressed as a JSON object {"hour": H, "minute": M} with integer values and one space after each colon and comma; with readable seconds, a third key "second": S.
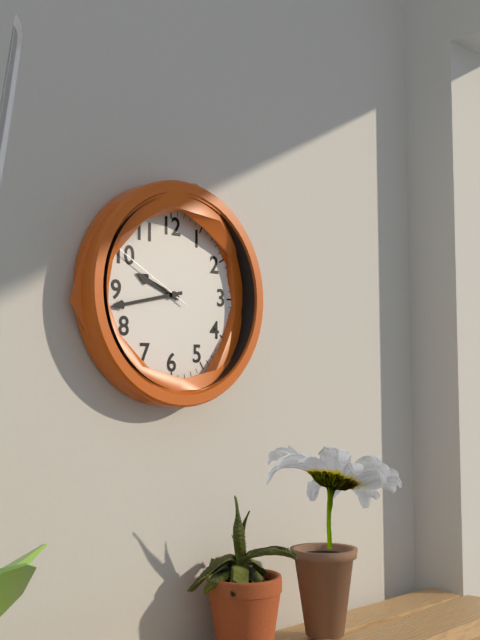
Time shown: {"hour": 9, "minute": 43, "second": 50}
